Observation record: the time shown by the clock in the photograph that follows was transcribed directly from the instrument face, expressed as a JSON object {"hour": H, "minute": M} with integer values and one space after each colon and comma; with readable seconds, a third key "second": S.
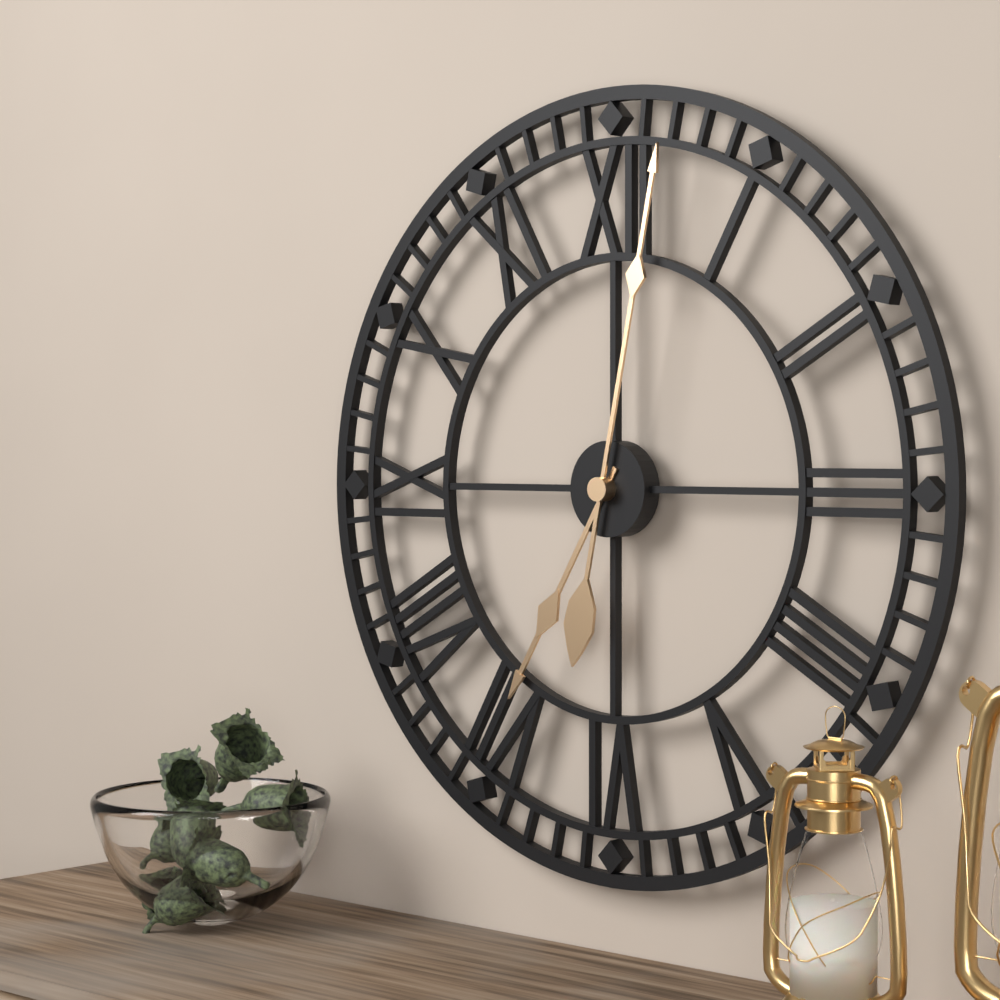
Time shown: {"hour": 7, "minute": 2}
